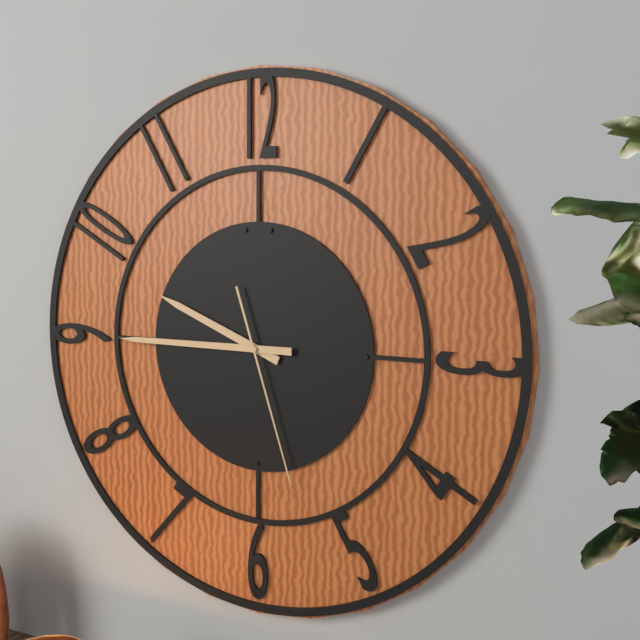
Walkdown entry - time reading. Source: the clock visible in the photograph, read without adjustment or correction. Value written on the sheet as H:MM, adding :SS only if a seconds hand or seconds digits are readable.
9:45:27
